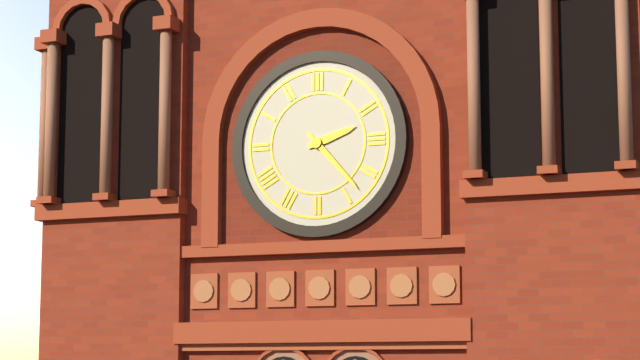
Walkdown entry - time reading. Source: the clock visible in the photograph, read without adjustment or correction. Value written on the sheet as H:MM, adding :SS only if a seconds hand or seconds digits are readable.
2:23
